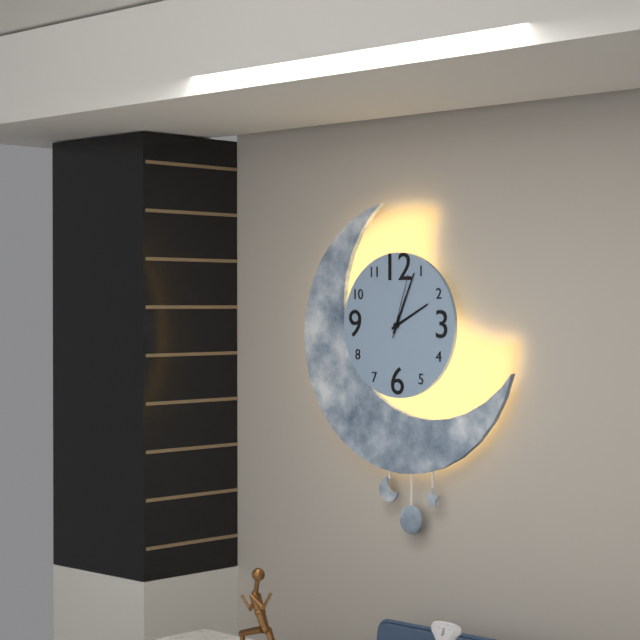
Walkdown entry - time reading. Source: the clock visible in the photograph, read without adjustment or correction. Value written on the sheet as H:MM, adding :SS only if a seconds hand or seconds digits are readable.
2:04:03
